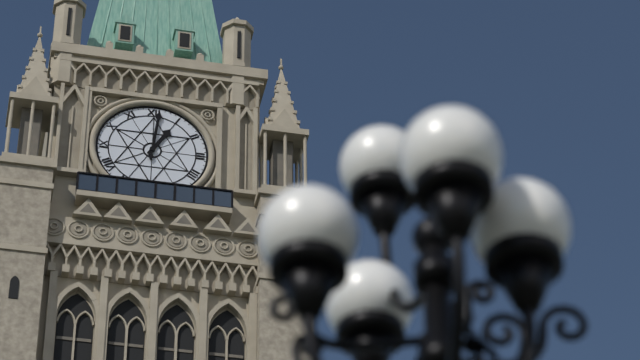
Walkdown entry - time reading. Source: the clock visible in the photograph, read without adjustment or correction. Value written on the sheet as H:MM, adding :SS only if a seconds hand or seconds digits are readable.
1:01
